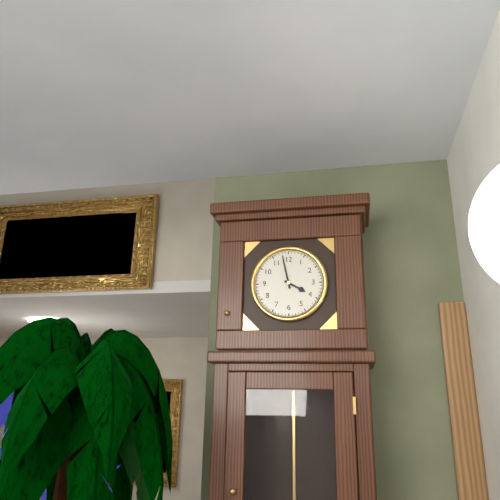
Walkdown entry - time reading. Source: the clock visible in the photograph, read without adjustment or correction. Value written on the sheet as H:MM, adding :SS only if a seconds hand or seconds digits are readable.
3:58
